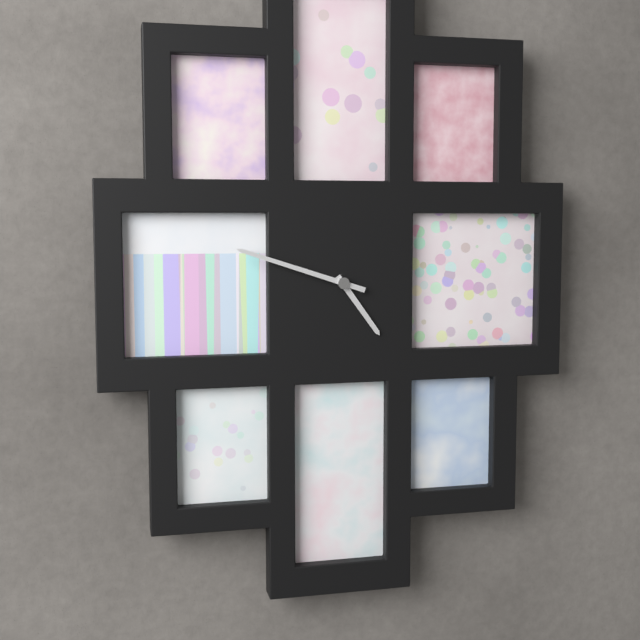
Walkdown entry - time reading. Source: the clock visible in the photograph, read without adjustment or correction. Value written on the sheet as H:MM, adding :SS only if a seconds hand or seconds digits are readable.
4:48
